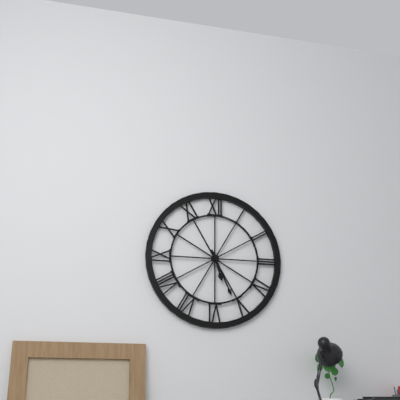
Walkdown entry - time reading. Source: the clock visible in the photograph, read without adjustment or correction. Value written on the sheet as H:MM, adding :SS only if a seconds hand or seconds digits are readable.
5:26
